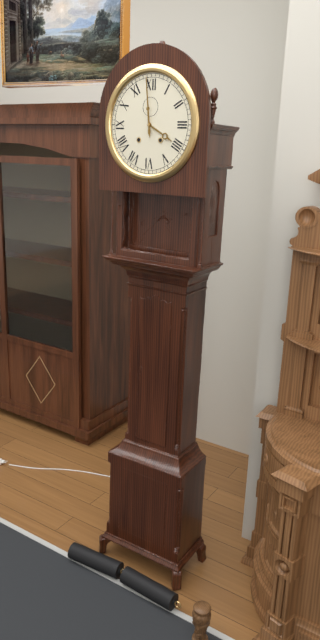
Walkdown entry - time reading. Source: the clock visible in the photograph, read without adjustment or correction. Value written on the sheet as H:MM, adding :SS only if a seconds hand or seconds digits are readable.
3:59
